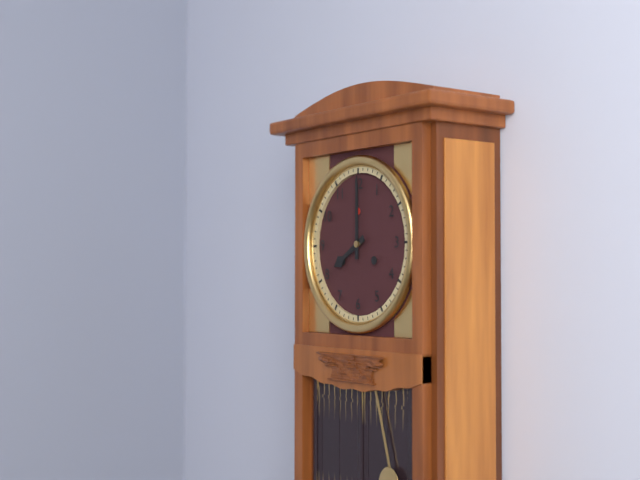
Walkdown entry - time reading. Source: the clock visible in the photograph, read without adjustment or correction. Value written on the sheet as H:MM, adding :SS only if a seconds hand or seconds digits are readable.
8:00
